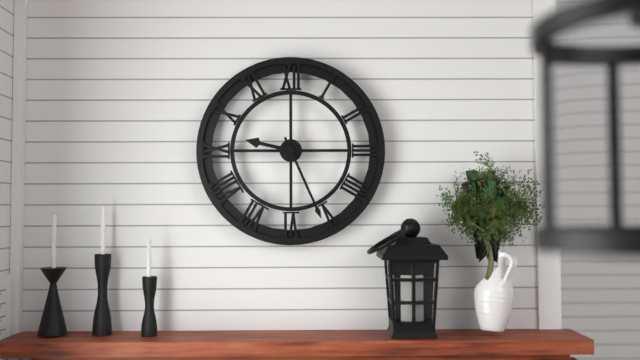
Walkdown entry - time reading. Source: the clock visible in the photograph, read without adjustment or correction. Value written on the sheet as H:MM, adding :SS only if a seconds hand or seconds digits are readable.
9:26
